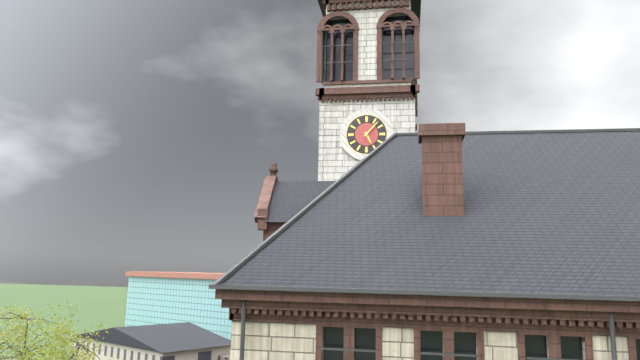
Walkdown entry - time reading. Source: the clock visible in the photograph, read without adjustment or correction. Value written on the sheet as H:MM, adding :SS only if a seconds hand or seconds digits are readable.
5:07
